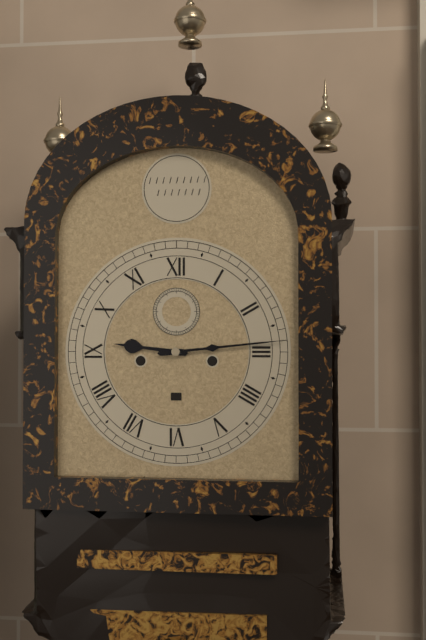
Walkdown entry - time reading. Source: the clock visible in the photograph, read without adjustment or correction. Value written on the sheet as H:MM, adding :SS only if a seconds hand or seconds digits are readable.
9:14
